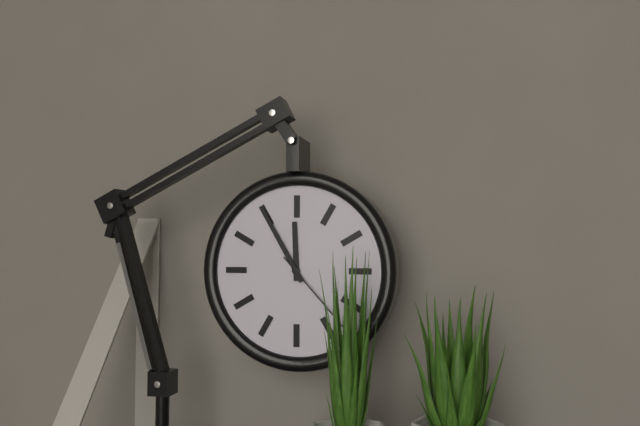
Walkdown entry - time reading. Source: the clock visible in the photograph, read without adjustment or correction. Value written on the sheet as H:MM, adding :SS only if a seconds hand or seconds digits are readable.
11:55:23
